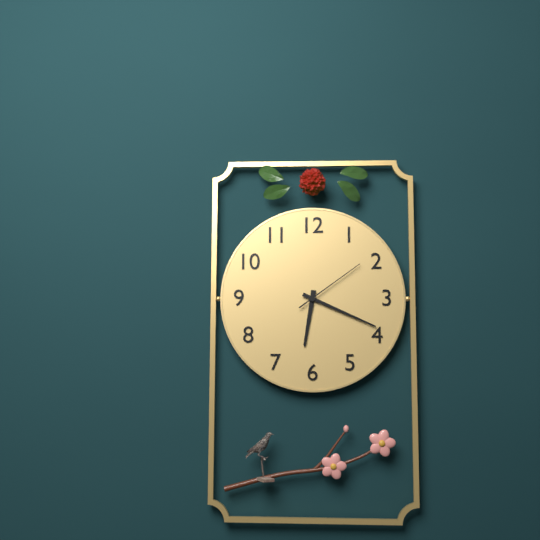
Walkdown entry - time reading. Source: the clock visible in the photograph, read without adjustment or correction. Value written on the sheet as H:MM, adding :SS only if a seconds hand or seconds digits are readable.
6:19:09
